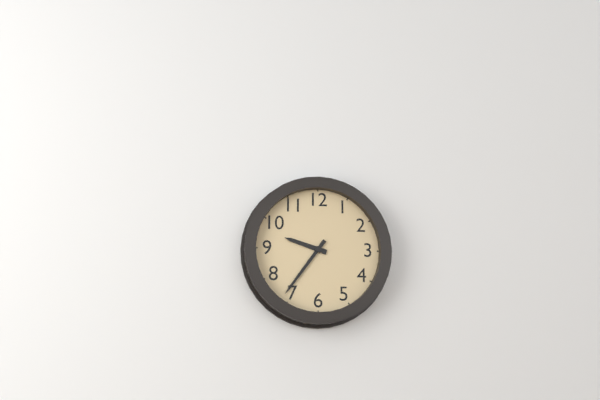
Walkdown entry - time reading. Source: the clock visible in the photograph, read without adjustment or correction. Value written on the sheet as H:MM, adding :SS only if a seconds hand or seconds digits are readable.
9:36
